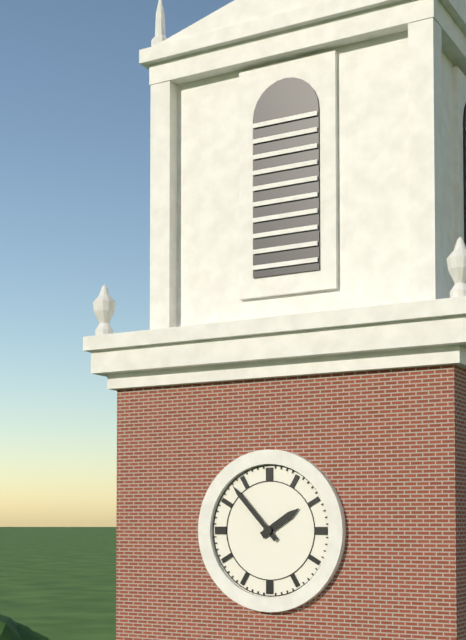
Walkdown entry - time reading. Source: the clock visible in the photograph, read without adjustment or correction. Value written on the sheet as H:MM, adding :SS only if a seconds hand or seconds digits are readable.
1:53
